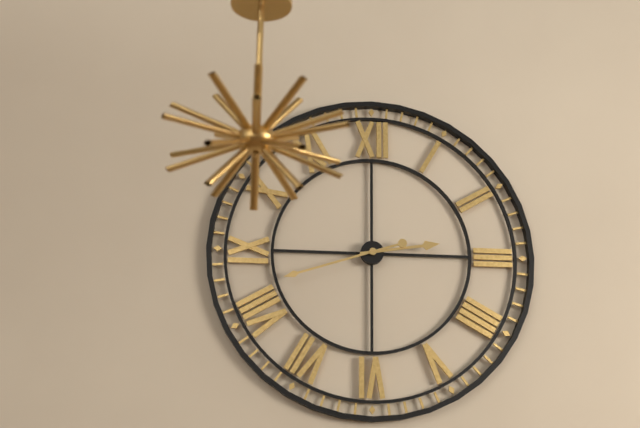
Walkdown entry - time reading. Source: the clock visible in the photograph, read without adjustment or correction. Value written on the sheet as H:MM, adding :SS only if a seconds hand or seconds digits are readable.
2:42
